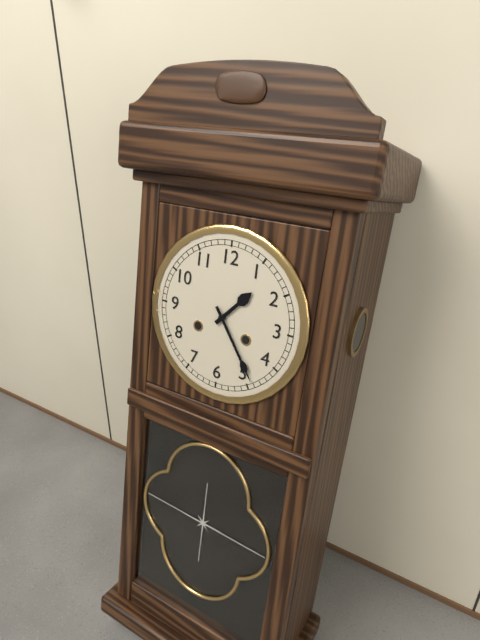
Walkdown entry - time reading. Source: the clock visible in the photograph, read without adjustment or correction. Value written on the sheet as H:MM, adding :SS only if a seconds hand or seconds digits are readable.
1:24
